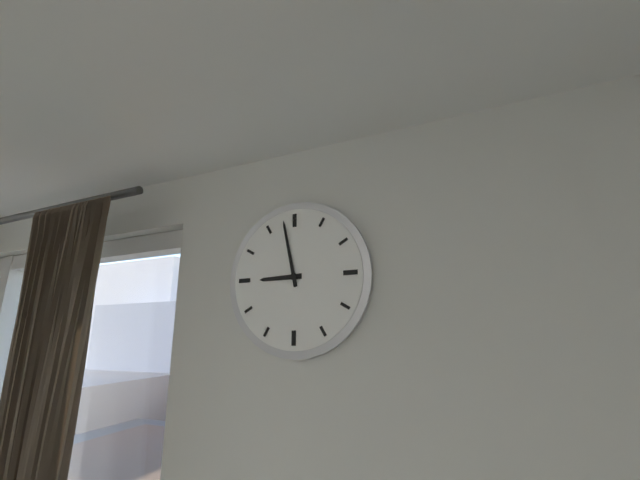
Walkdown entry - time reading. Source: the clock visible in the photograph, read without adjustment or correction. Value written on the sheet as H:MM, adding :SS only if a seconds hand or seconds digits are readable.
8:58
